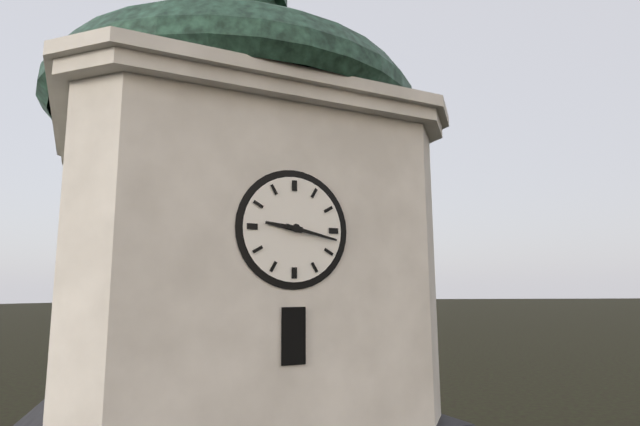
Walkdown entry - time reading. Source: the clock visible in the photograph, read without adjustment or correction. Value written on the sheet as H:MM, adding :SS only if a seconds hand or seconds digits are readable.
9:17
